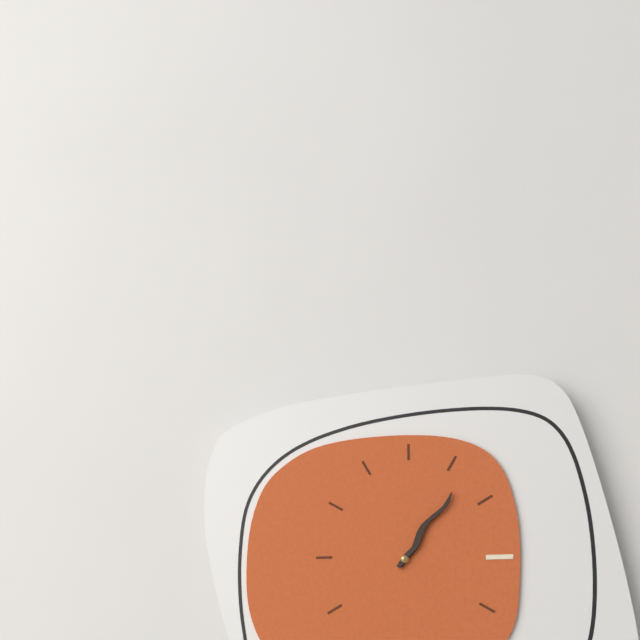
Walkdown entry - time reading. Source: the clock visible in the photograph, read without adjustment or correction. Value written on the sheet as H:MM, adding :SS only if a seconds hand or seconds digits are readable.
1:06
